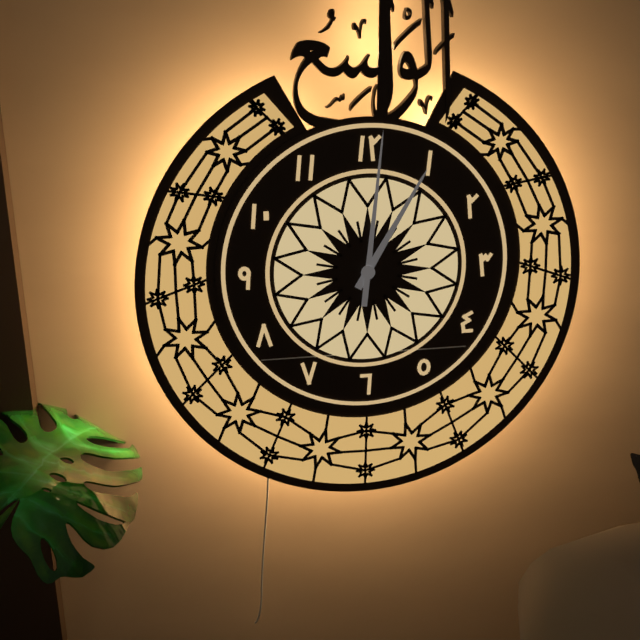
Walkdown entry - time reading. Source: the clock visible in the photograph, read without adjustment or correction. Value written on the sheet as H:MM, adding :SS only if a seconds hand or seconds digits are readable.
1:01
